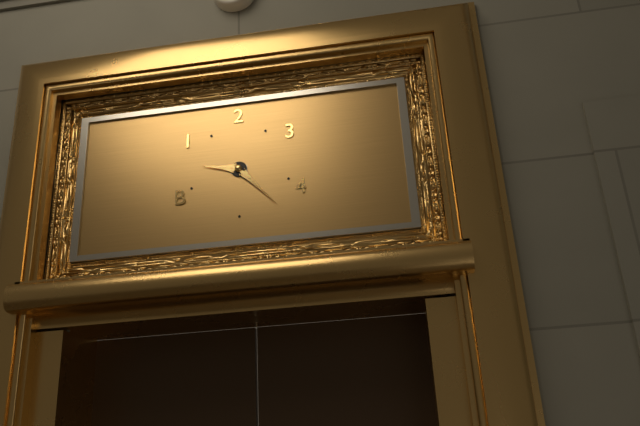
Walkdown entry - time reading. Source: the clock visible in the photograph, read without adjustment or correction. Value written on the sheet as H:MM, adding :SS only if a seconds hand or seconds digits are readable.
9:23
